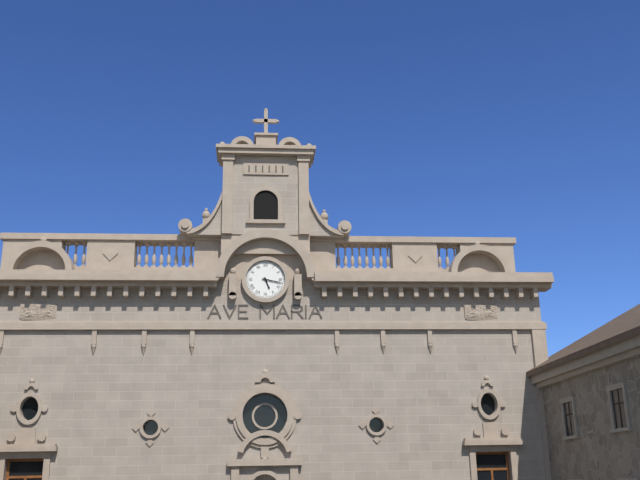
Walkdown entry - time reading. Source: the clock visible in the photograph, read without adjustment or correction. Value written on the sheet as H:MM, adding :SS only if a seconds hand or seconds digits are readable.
5:17
